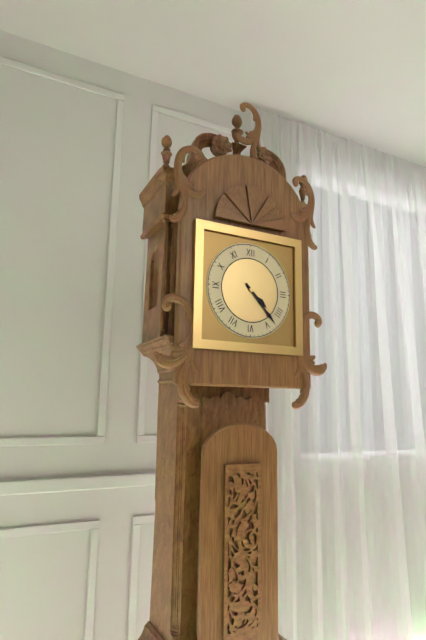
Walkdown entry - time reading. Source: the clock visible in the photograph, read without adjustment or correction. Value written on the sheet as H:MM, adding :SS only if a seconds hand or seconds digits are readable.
4:23
